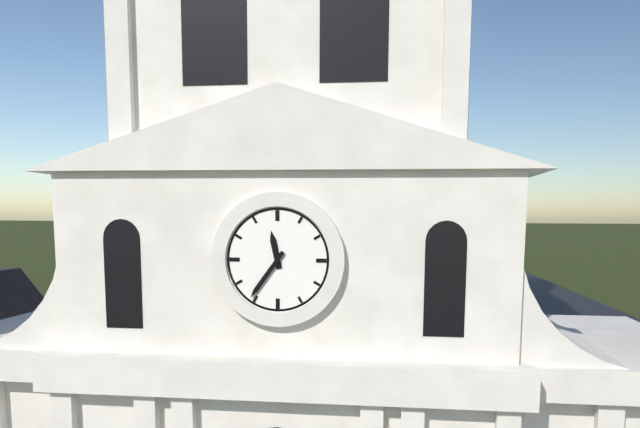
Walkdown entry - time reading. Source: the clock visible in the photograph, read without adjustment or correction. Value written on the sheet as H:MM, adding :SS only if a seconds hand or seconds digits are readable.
11:36
